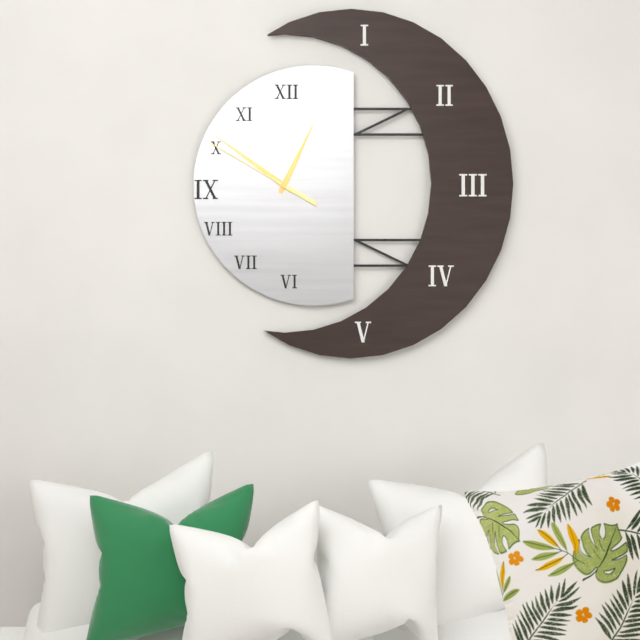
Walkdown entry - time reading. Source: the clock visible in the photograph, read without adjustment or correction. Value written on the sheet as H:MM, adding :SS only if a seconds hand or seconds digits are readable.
12:51:50
